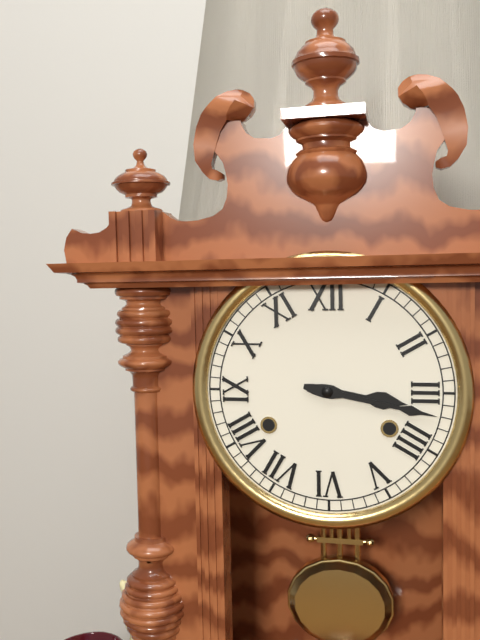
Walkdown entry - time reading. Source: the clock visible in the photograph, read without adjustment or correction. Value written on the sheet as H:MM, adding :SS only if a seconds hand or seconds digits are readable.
3:17
